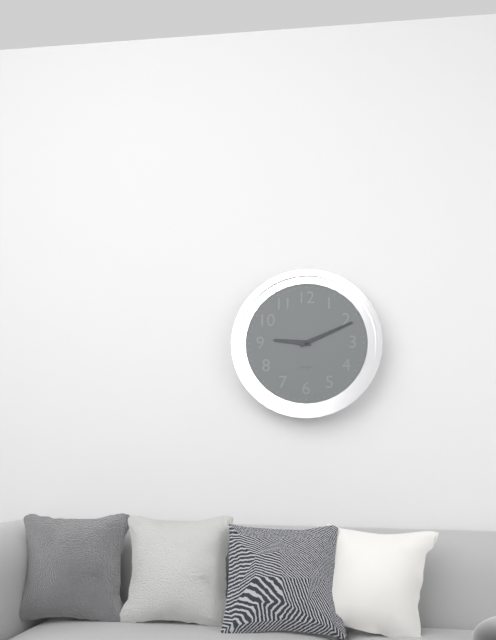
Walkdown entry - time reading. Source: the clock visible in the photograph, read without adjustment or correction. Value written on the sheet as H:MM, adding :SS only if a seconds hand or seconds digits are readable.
9:11
